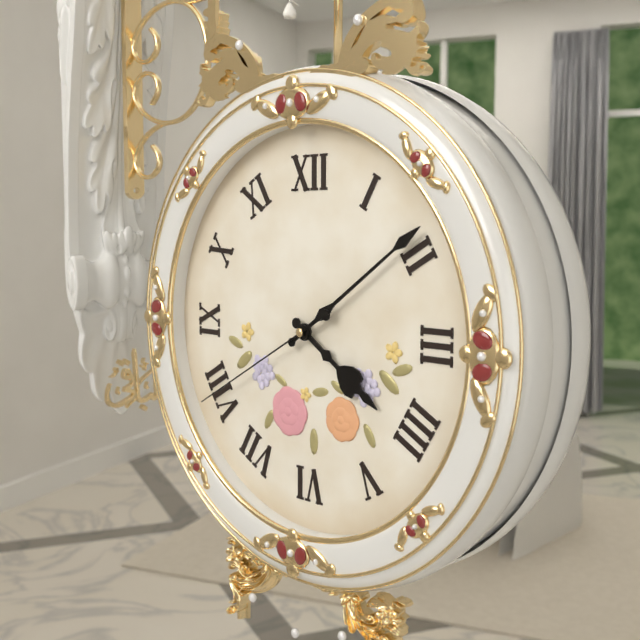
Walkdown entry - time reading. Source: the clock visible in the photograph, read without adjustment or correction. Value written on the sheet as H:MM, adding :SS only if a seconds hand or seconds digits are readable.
4:09:40
